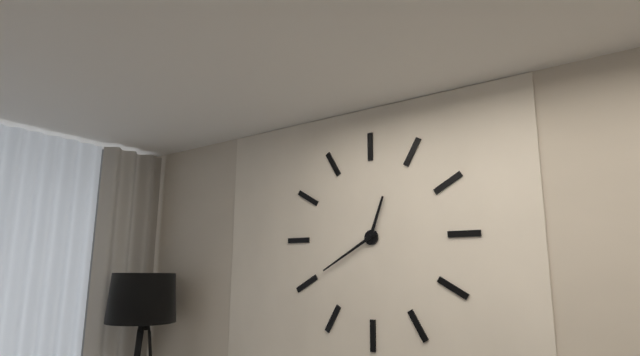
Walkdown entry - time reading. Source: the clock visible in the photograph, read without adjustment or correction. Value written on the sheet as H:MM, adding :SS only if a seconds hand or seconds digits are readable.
12:40
